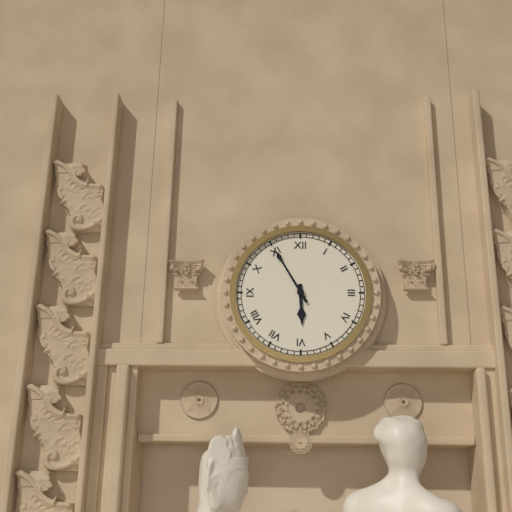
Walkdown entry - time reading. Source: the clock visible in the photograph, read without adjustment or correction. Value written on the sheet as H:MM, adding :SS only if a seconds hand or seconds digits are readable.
5:55
